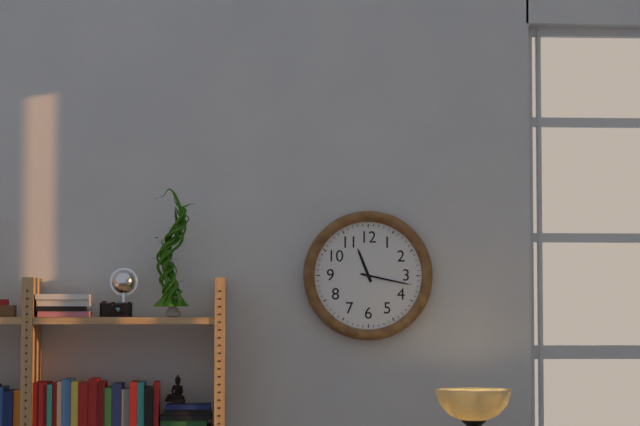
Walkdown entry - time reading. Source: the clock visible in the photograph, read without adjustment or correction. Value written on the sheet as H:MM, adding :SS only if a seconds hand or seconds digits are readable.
11:17
